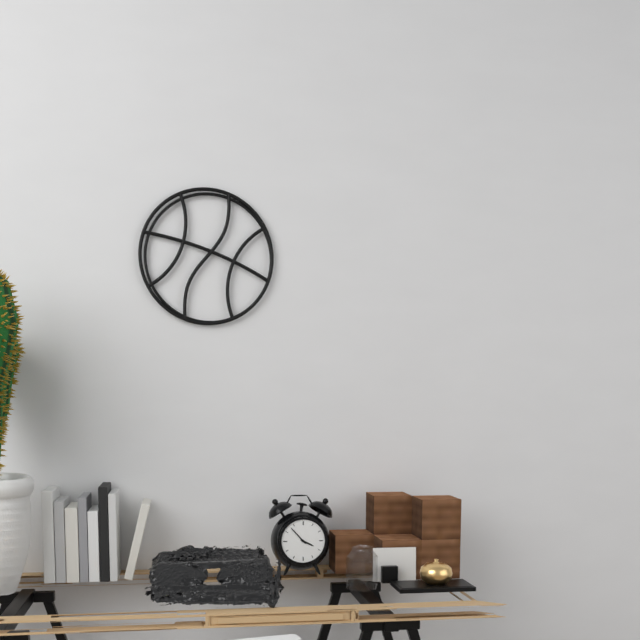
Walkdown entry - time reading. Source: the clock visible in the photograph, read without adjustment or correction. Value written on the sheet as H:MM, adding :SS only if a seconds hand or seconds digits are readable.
3:53
